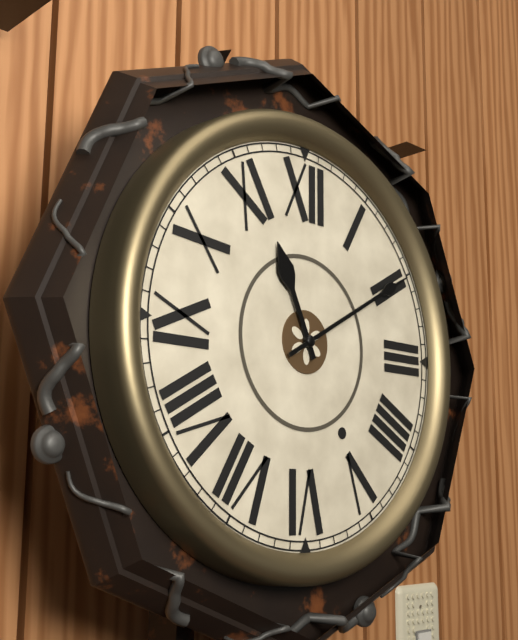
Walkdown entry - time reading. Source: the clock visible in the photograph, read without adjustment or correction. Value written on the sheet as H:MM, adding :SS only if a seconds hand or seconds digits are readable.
11:10
